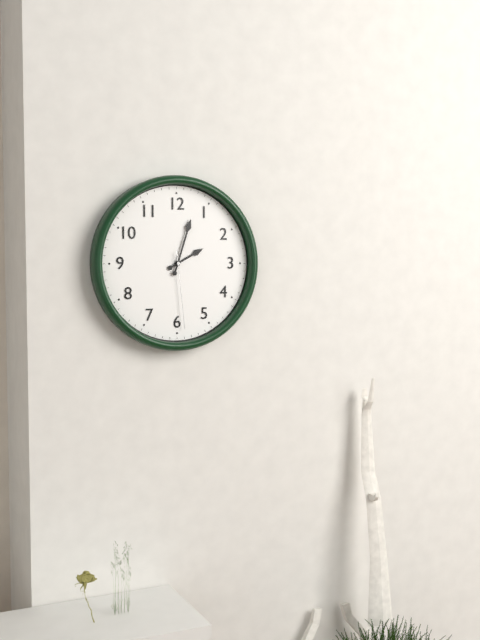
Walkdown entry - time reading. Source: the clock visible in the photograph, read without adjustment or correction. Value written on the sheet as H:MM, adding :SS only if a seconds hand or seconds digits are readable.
2:03:29
